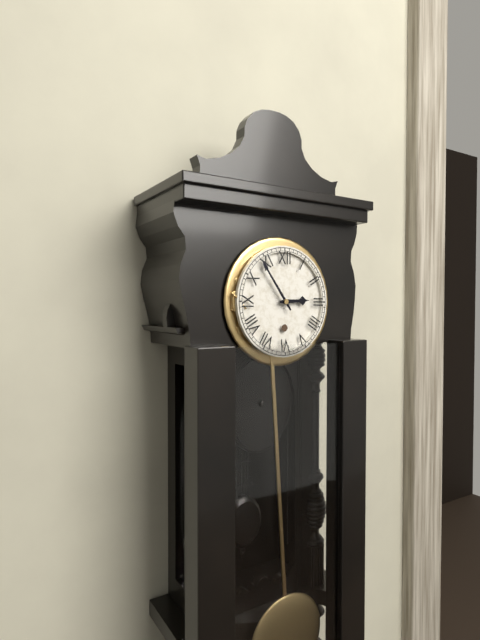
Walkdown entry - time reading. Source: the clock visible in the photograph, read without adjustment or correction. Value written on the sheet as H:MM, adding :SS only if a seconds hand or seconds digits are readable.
2:54
